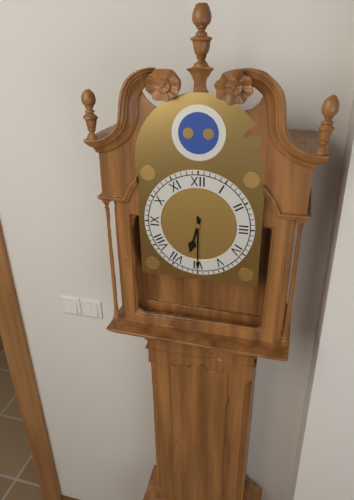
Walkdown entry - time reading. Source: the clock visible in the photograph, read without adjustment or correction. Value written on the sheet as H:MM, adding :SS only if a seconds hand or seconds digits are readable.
6:30
